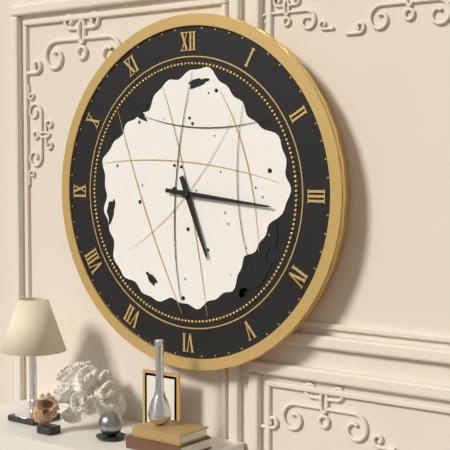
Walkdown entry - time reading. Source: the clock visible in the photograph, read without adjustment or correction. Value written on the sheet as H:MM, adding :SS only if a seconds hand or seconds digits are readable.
5:16
